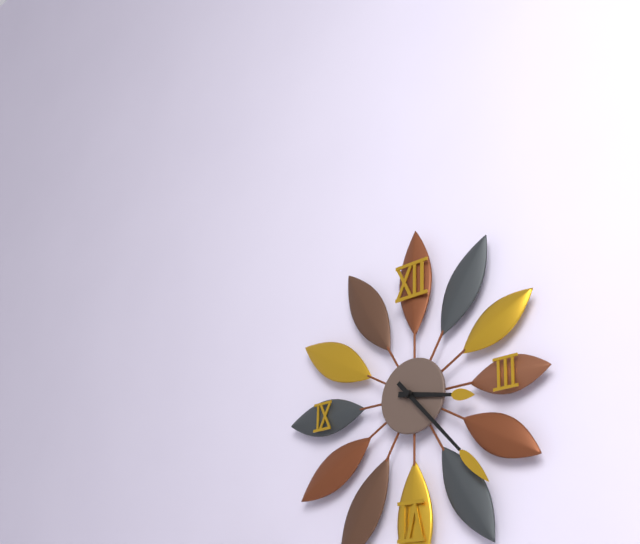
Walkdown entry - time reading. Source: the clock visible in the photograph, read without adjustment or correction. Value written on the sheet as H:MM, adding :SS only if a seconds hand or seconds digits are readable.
3:23
